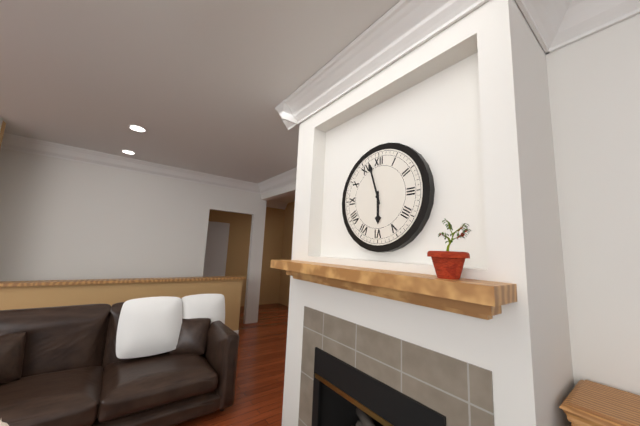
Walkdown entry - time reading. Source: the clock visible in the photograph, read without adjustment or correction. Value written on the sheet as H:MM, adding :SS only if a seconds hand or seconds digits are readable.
5:57
